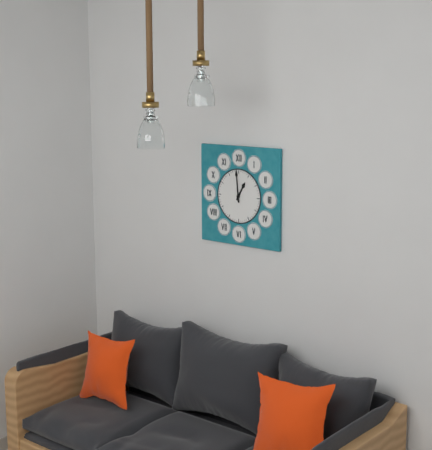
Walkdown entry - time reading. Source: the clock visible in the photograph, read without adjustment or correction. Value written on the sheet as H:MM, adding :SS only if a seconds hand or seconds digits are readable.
12:59
